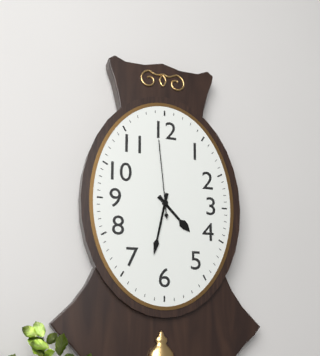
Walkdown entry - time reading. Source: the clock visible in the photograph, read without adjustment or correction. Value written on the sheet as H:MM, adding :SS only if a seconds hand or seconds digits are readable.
4:32:59
